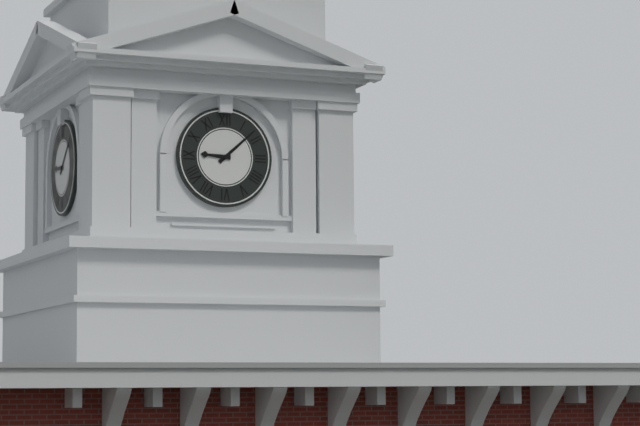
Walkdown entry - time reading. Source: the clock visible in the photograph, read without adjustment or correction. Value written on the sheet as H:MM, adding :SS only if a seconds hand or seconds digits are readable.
9:08
